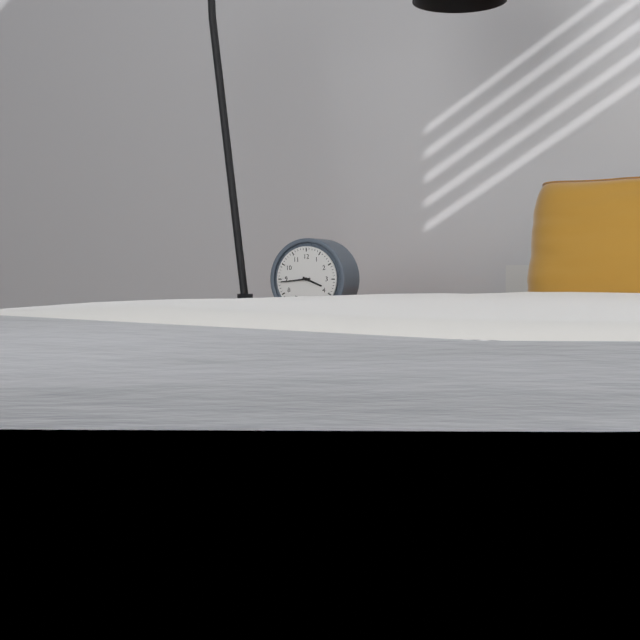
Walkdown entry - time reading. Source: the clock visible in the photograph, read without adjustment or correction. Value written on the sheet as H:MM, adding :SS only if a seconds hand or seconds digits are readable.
3:44
